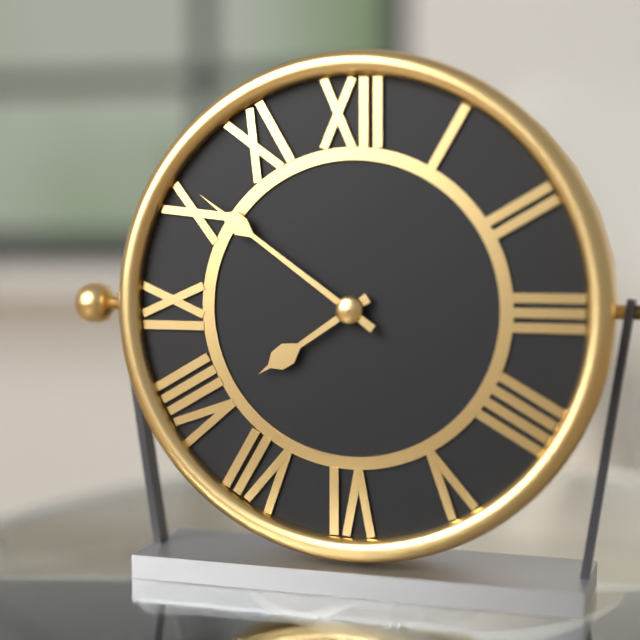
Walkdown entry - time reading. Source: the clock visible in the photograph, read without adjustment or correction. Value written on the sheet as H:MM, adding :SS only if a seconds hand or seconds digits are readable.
7:51
